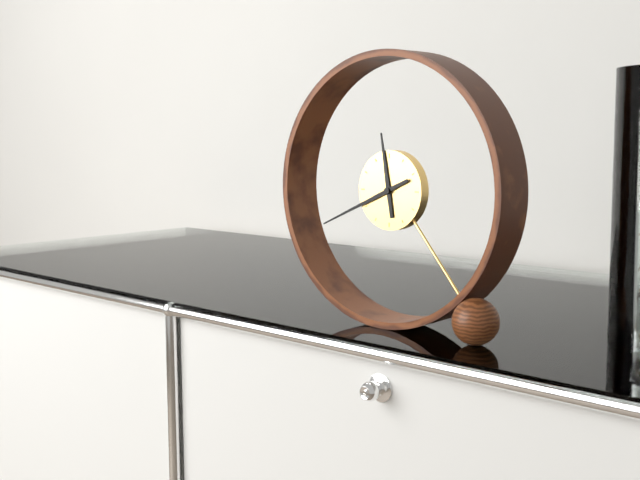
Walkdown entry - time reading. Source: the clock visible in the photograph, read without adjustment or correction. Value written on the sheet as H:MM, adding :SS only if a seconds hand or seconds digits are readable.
11:41
